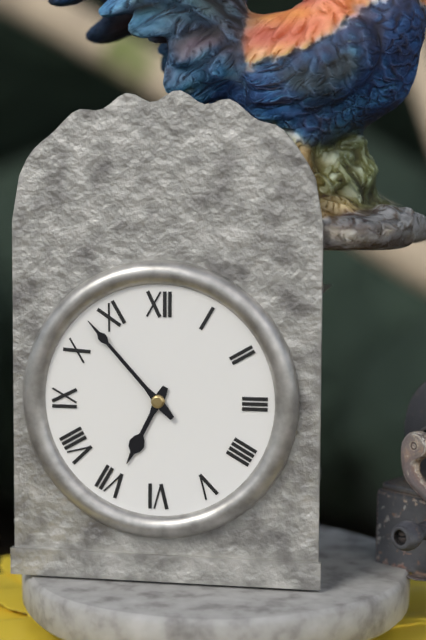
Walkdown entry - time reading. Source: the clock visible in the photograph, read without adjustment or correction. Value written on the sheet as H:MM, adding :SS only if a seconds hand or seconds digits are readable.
6:53
